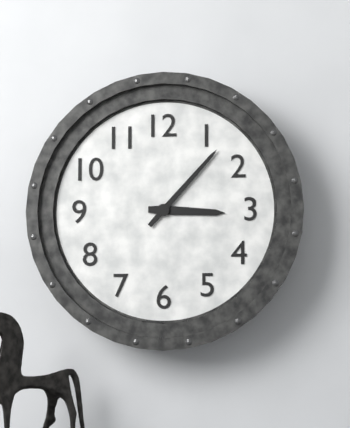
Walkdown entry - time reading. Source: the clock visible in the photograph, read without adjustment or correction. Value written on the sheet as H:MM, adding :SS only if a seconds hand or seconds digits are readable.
3:07
